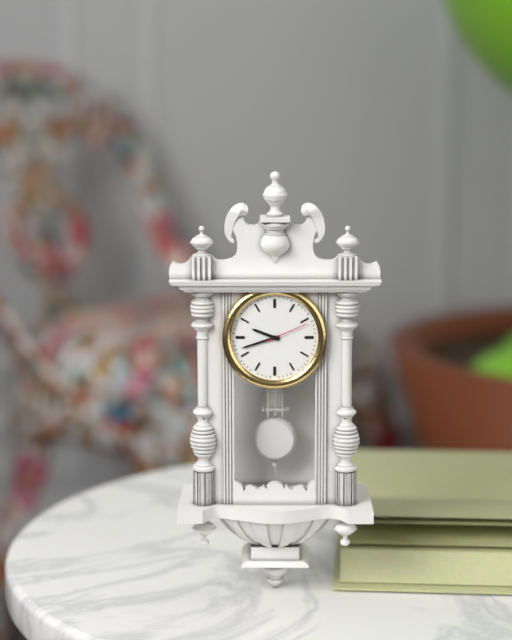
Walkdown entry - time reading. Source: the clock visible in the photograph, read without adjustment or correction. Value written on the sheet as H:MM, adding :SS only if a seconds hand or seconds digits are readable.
9:42
